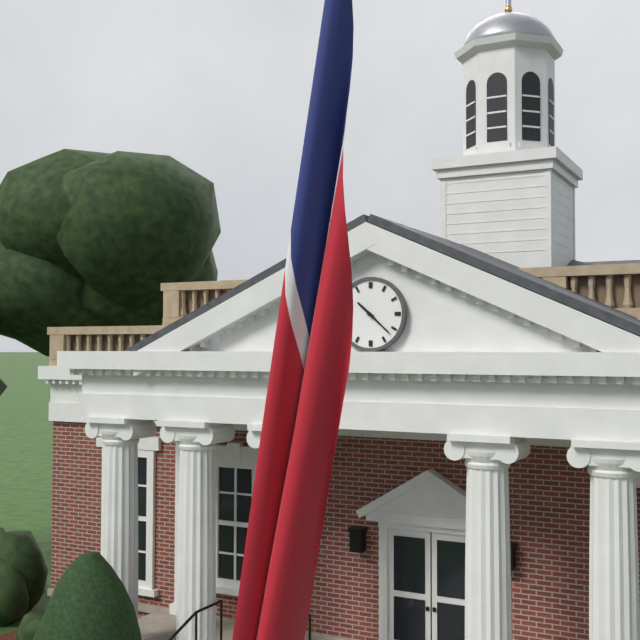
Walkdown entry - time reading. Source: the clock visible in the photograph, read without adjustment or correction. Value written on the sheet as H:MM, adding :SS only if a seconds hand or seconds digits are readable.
10:22
